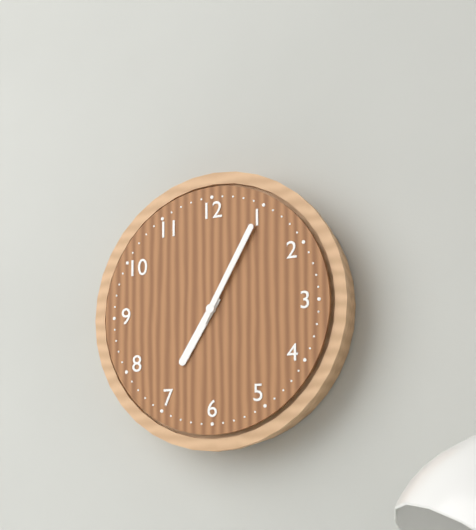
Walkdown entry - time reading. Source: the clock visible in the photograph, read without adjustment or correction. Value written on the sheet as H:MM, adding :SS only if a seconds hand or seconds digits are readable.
7:05
